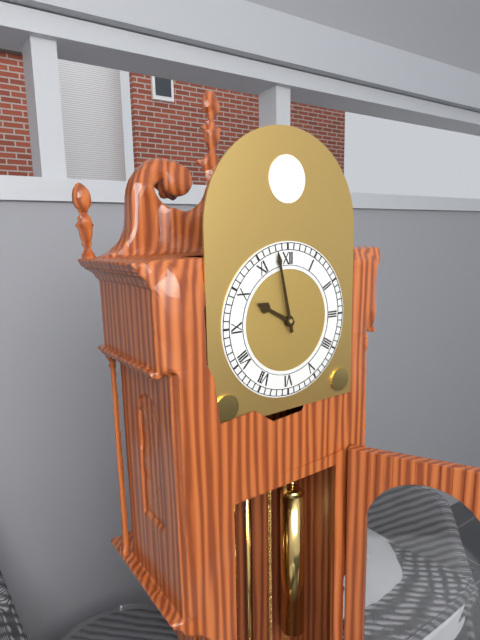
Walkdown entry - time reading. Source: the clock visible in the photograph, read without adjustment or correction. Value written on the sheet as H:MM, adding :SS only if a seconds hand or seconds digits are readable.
9:58
